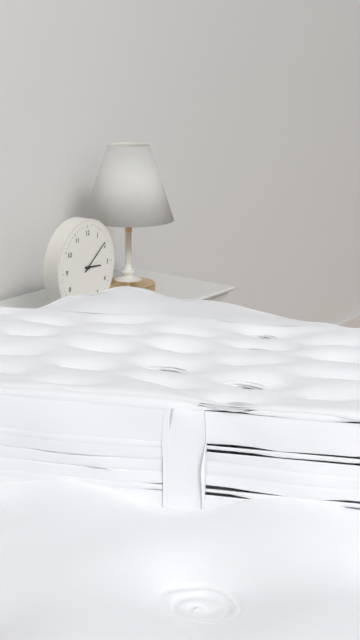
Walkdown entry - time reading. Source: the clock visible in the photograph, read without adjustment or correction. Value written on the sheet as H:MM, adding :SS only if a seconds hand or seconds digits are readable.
3:09
